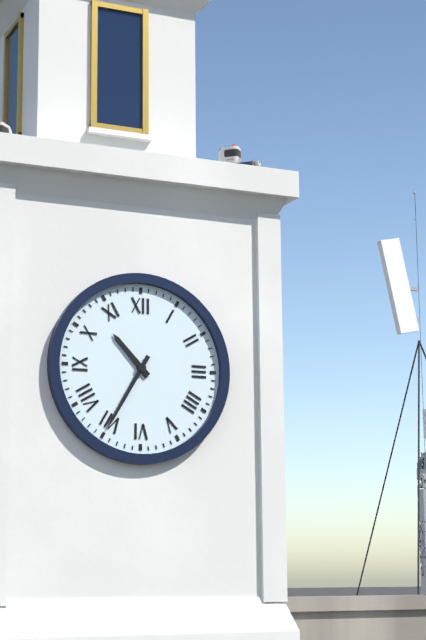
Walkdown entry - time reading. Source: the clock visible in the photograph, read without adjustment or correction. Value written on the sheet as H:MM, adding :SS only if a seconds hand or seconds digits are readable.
10:35
